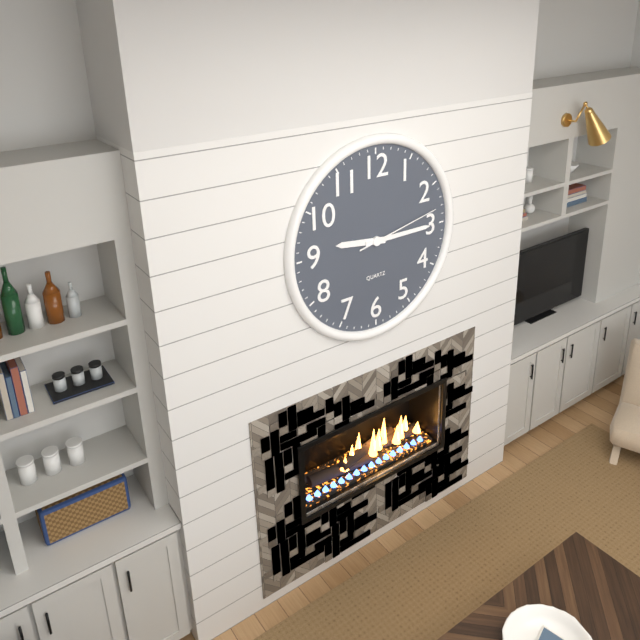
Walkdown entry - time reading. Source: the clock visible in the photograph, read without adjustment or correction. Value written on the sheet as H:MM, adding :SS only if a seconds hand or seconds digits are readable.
9:15:13
